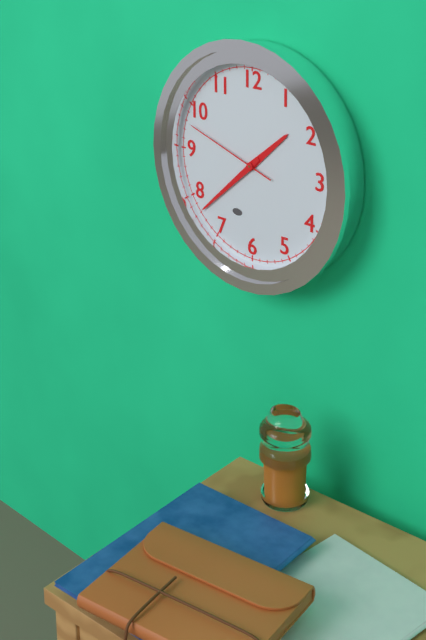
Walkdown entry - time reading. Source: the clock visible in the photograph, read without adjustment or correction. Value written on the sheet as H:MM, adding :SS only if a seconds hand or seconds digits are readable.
1:38:48
